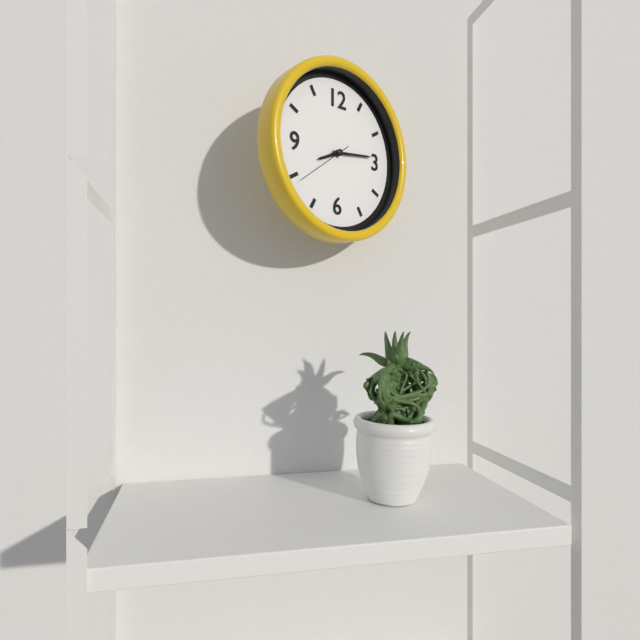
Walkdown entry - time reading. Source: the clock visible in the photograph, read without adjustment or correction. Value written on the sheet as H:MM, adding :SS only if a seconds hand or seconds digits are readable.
8:14
